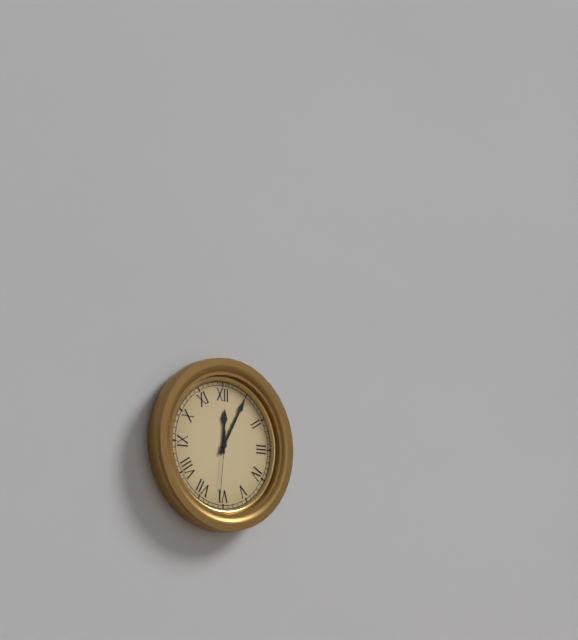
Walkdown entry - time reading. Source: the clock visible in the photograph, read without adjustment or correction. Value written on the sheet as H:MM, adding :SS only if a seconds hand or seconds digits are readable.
12:05:31
